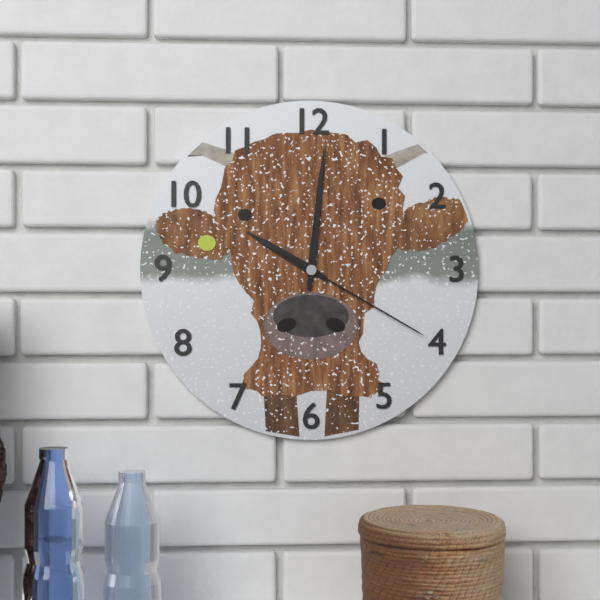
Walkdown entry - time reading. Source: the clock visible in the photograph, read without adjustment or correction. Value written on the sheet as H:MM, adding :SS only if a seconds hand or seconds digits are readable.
10:01:20
